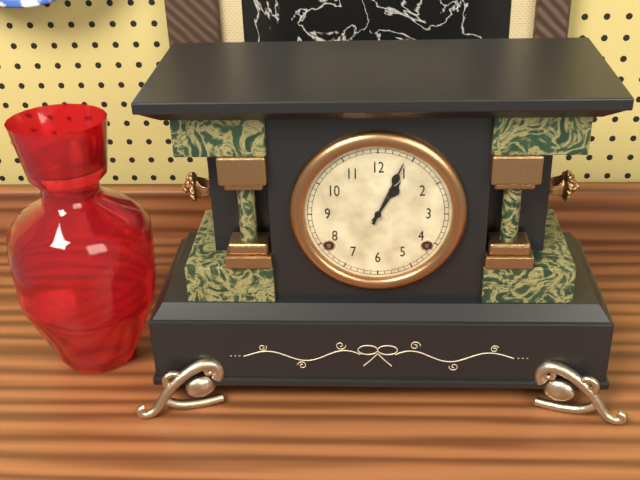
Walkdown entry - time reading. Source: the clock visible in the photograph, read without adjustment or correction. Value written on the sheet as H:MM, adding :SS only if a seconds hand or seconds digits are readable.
1:04
